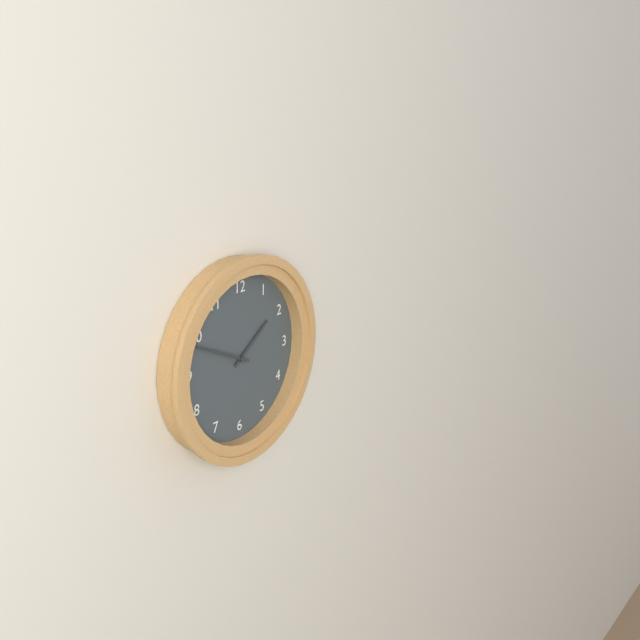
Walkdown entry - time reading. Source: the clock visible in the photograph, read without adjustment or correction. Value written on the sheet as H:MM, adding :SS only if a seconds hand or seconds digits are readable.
1:49
